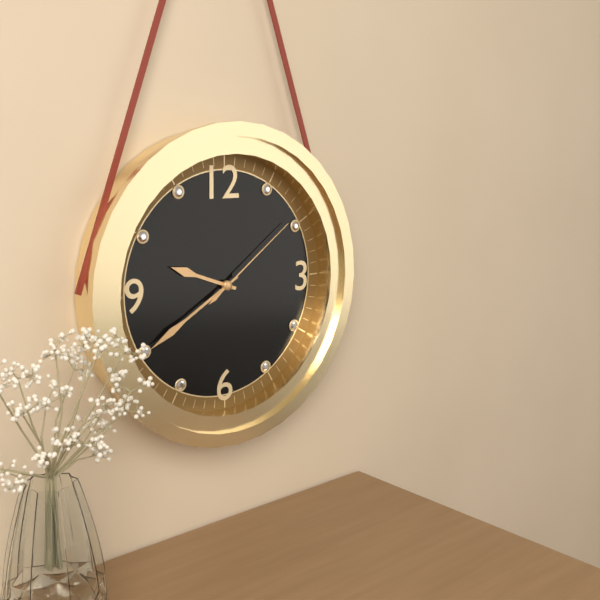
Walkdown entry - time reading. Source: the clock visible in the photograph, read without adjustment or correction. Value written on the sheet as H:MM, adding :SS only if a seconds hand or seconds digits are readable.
9:40:09
